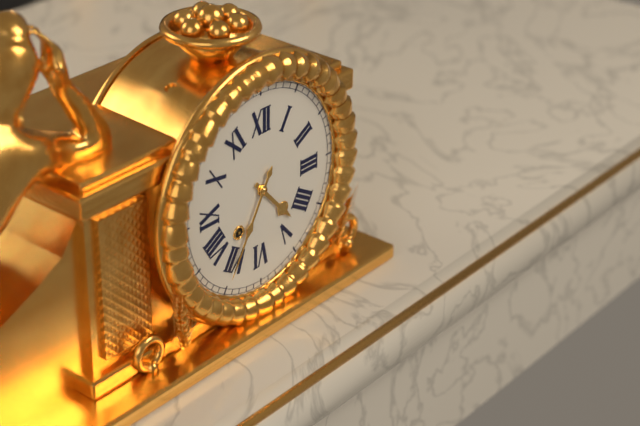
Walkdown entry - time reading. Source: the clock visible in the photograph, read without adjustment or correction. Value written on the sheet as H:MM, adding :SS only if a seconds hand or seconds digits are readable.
4:35
